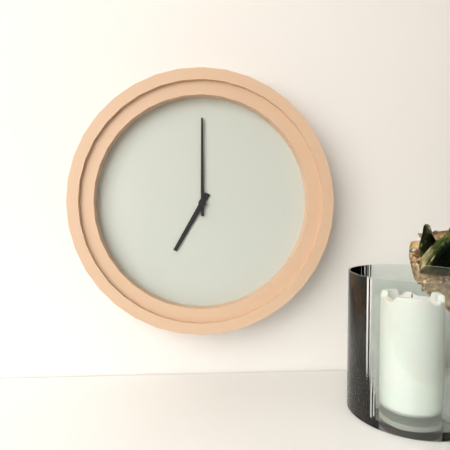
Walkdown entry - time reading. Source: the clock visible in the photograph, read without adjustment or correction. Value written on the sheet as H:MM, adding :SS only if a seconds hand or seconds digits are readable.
7:00
